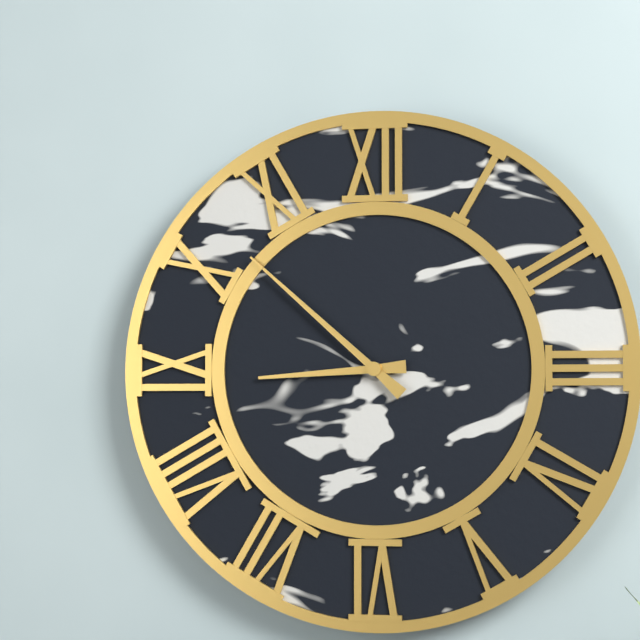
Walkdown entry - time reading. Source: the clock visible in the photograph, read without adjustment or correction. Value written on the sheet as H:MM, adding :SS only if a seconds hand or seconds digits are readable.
8:52
